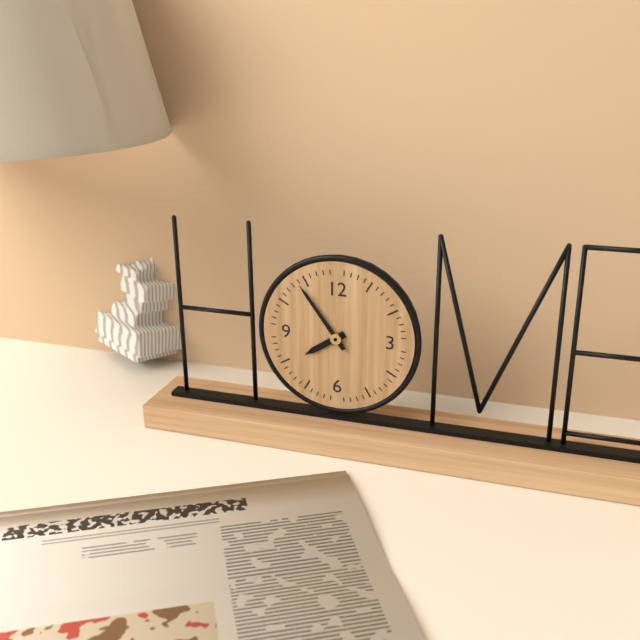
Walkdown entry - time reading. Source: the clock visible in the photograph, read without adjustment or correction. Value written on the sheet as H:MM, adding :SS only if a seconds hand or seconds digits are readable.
7:54
